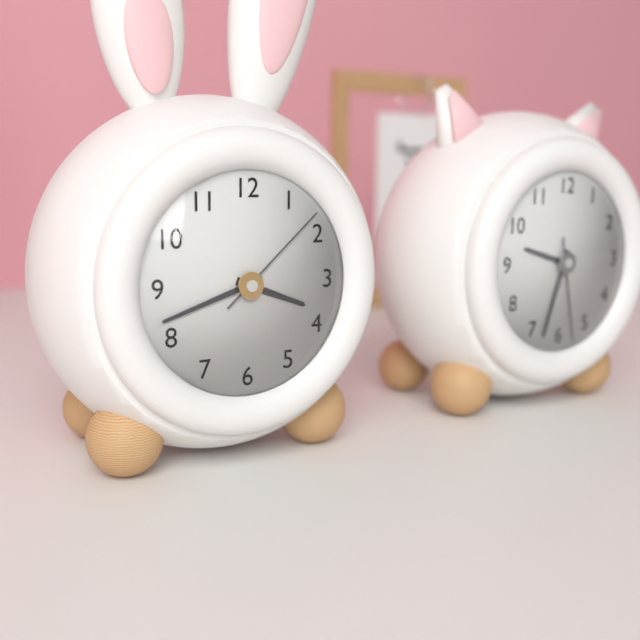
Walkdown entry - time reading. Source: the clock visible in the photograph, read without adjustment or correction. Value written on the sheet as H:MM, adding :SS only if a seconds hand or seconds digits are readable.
3:42:08
